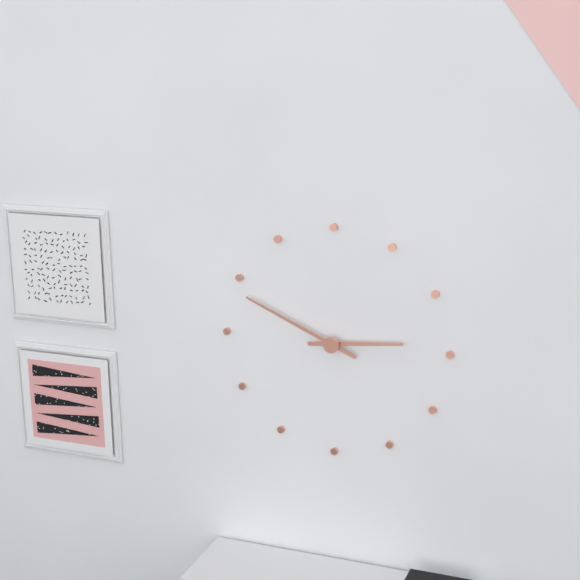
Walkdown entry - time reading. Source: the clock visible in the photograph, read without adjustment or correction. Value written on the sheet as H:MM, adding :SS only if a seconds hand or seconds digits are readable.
2:49
